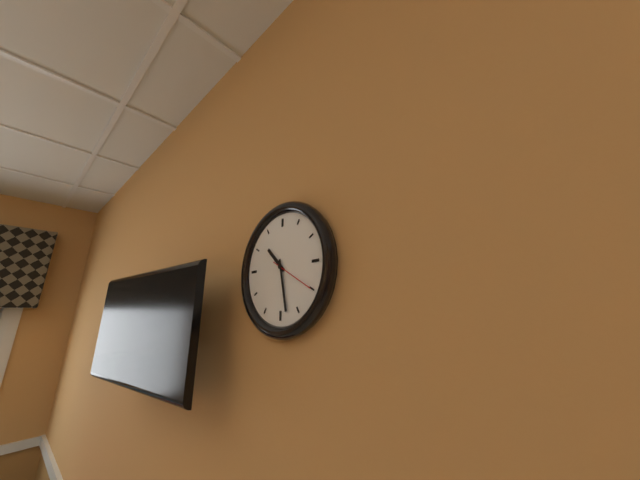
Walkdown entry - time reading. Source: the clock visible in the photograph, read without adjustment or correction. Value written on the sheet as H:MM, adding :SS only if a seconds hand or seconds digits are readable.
10:28
